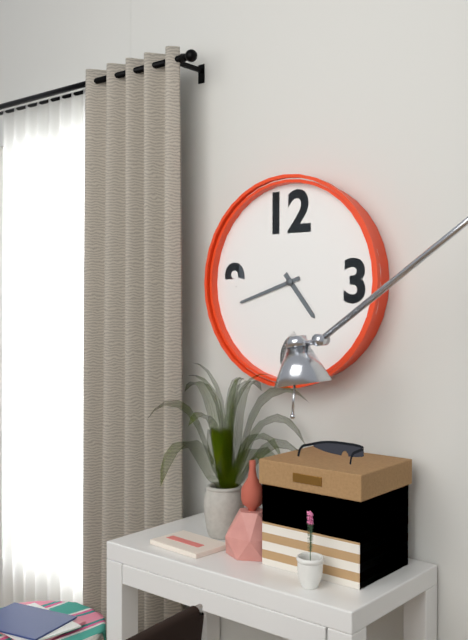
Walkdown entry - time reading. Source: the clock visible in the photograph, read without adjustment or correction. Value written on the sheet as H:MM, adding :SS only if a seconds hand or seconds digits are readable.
4:42
